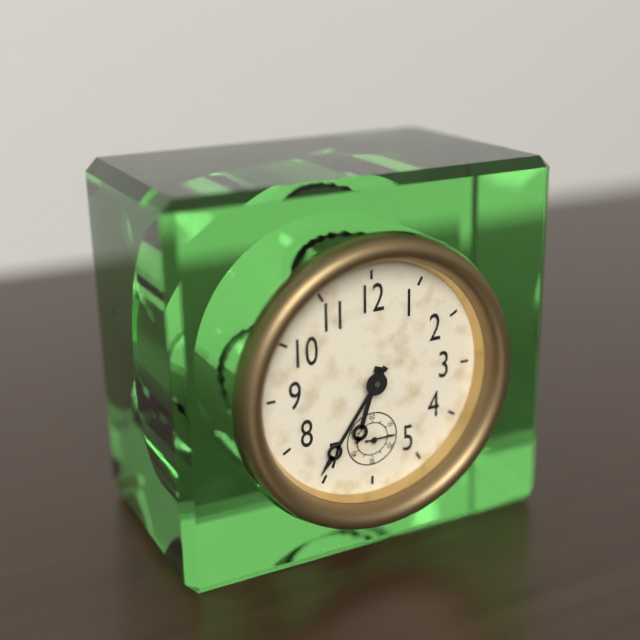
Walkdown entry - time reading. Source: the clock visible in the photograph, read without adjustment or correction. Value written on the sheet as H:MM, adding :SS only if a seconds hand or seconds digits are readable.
6:36
